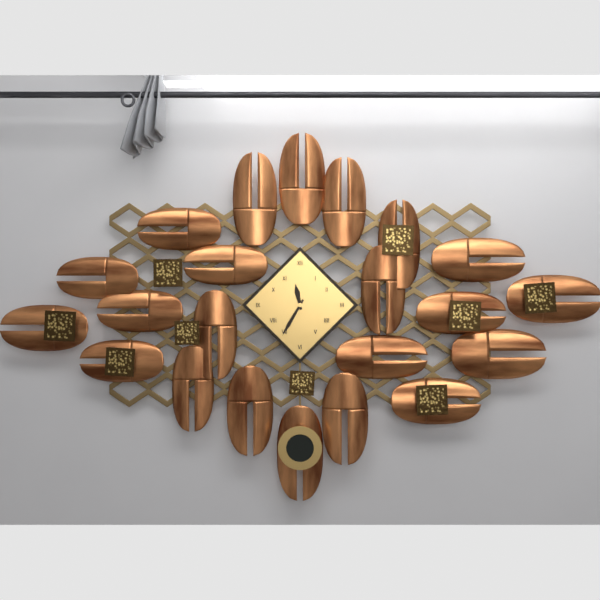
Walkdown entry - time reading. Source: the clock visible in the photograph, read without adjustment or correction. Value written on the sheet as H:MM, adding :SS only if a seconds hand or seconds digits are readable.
11:35
